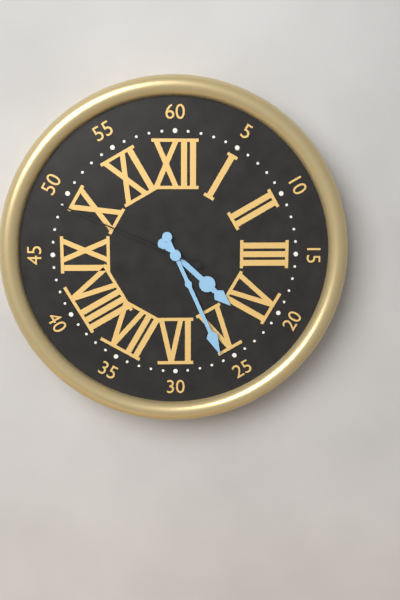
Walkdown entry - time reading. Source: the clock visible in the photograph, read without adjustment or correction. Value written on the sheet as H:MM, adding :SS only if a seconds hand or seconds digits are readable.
4:26:49
